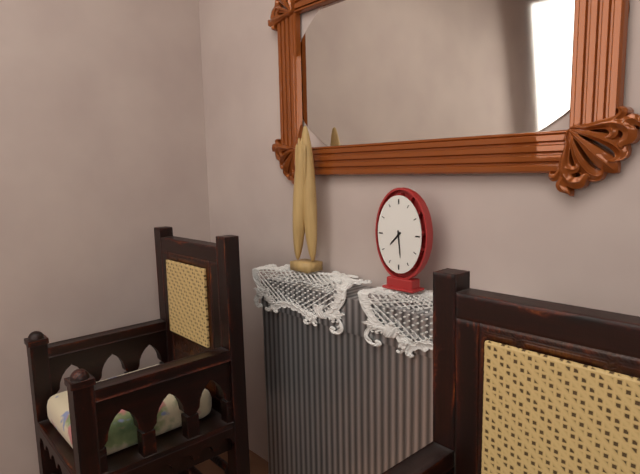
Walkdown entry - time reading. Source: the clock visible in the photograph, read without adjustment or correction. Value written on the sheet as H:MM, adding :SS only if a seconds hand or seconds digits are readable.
7:29
